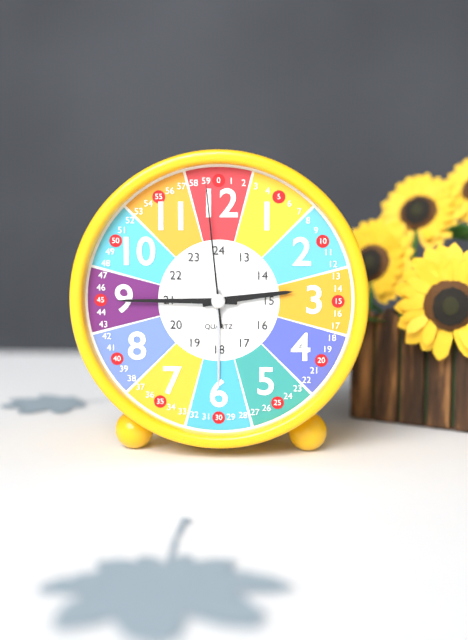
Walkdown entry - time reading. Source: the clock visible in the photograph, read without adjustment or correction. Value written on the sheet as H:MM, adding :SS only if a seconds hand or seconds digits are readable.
2:45:59
